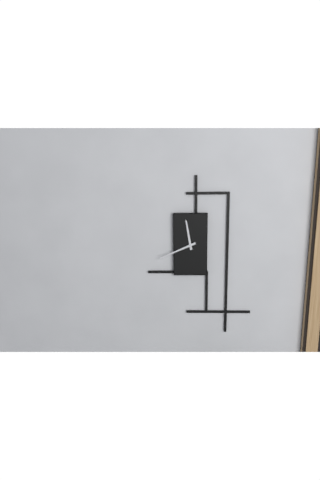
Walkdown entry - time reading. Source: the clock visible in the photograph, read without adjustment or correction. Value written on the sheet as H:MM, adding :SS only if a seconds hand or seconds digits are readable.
11:41
